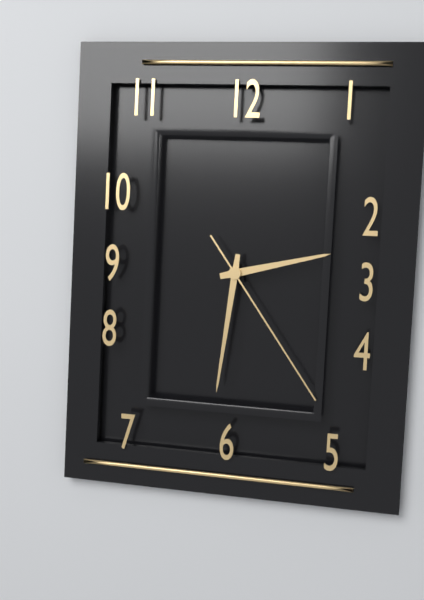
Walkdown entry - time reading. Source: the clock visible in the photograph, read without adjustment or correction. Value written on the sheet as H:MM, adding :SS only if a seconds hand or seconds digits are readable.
2:31:24
